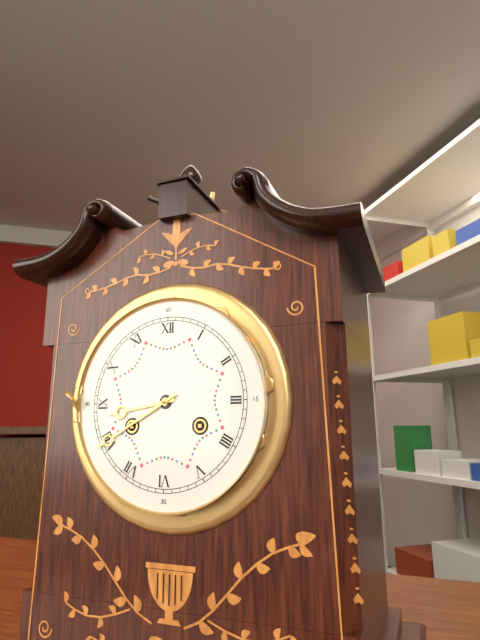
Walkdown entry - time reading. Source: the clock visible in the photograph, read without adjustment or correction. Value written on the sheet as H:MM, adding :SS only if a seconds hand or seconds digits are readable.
8:40
